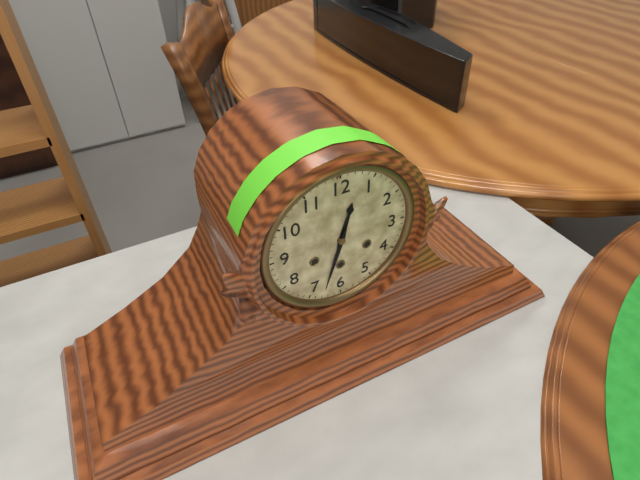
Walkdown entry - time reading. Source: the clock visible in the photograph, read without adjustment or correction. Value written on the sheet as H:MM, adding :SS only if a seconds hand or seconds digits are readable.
12:33
